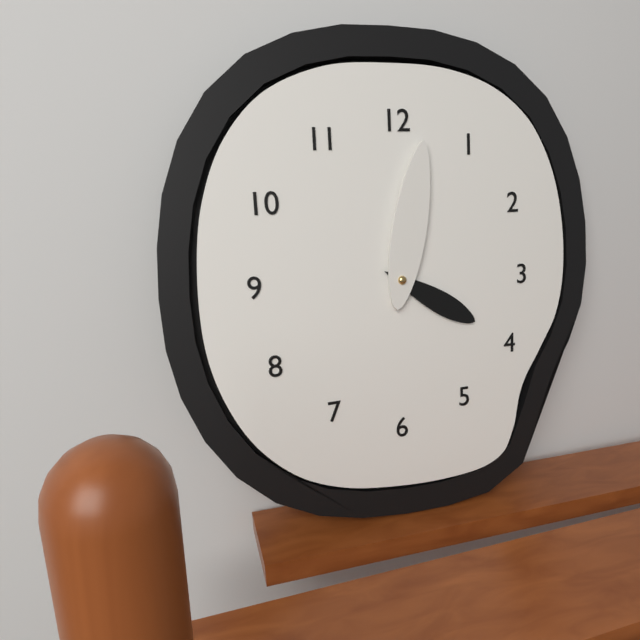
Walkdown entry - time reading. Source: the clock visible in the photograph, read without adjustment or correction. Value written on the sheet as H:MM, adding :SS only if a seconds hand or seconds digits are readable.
4:02
